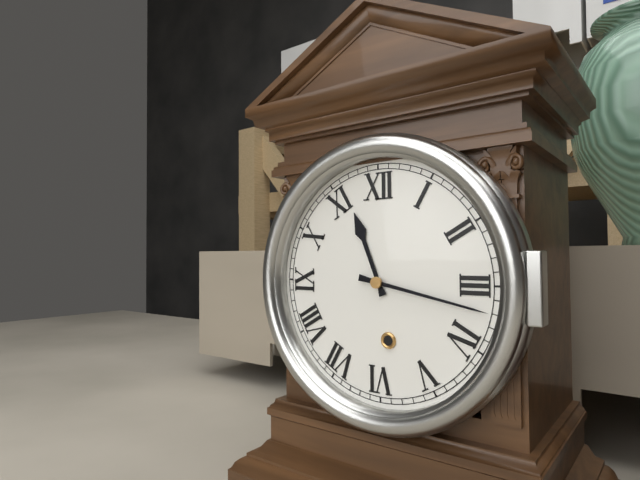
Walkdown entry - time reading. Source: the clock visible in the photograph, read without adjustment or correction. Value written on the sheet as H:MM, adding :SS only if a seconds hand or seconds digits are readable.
11:17
